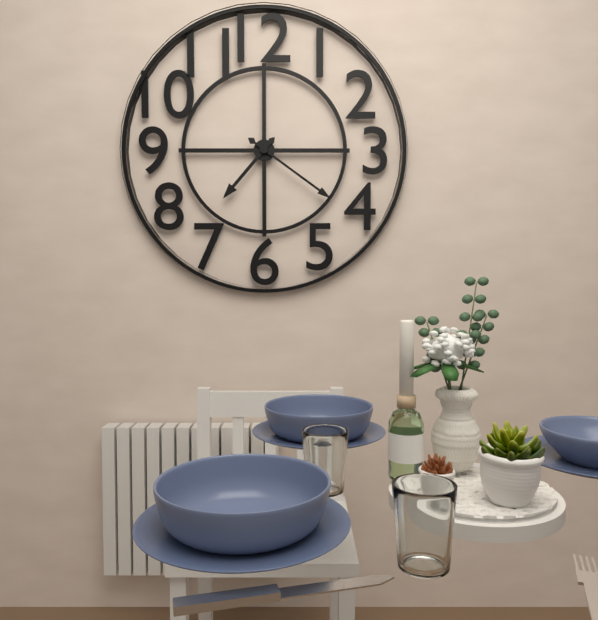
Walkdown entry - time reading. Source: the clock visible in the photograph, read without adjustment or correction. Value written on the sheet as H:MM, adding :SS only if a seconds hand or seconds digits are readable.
7:21
